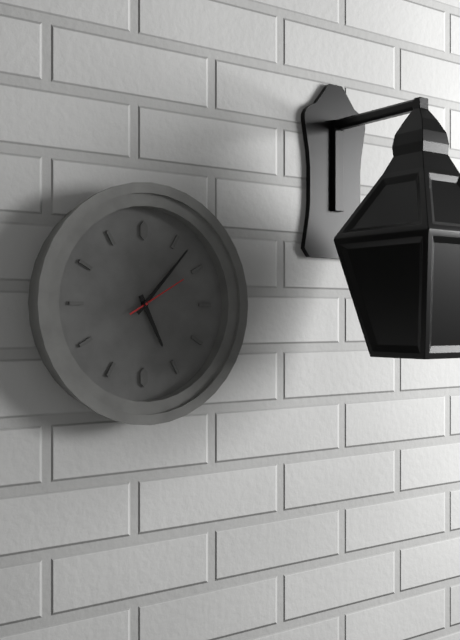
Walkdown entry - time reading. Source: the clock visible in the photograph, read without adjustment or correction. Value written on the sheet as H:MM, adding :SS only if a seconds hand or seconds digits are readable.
5:07:10
